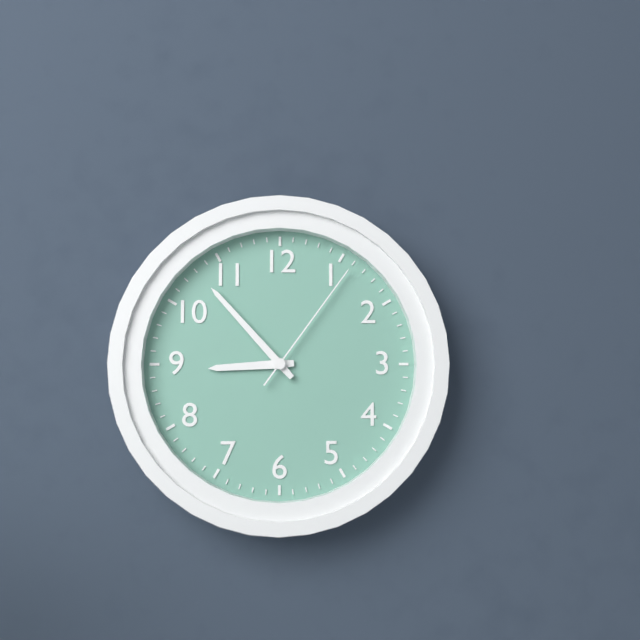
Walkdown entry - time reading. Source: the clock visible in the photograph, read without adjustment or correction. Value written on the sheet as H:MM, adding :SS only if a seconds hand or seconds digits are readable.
8:53:06
